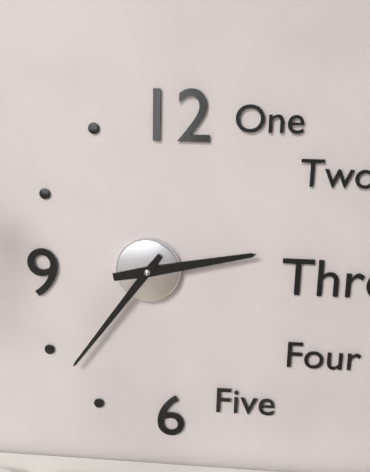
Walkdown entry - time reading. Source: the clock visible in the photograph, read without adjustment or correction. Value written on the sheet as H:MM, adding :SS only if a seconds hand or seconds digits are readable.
2:36
